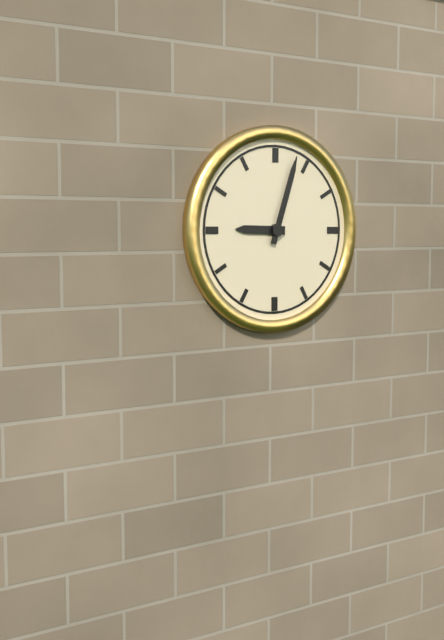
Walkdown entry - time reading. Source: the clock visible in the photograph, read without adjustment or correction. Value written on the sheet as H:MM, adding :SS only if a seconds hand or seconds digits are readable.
9:03
